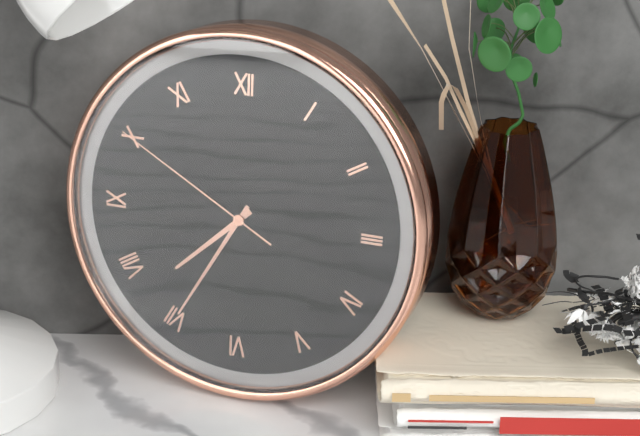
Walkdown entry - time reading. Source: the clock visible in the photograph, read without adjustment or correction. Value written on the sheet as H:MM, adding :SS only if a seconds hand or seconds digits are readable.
7:35:50
